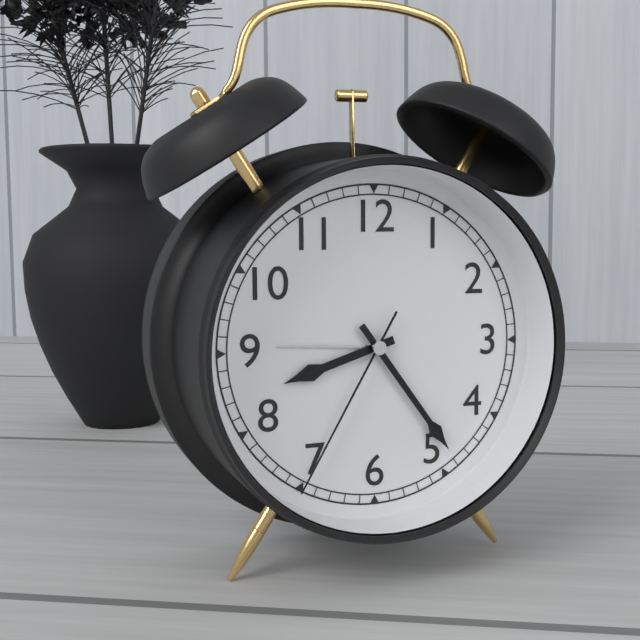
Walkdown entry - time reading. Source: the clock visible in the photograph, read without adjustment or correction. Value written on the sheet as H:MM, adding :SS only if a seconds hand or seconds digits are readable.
8:24:35
